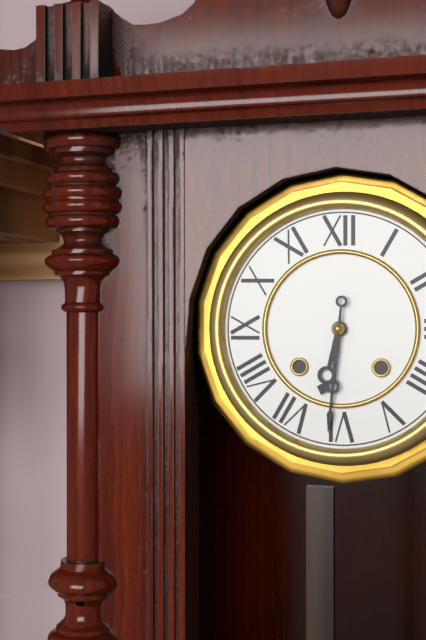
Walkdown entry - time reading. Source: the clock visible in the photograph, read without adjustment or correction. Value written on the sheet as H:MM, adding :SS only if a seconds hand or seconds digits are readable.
6:31
